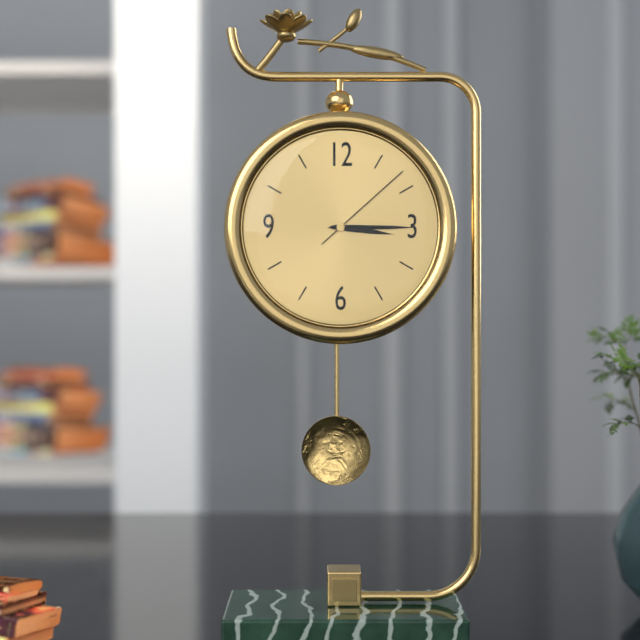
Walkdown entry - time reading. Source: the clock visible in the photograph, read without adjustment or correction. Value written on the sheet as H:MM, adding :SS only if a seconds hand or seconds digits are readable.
3:15:08
